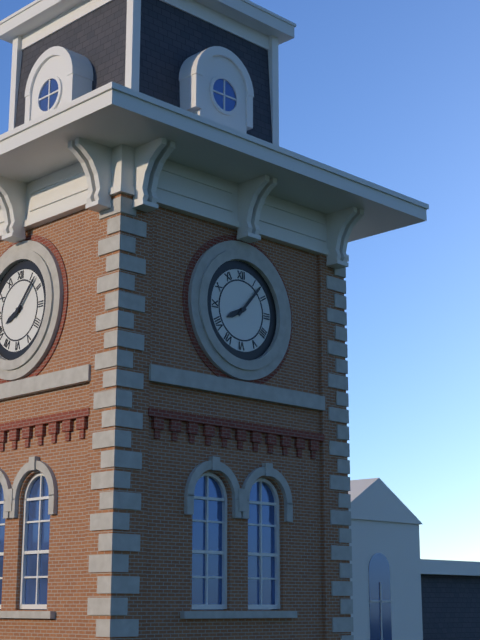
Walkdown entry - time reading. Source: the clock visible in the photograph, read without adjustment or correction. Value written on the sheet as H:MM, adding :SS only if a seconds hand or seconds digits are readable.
8:07
